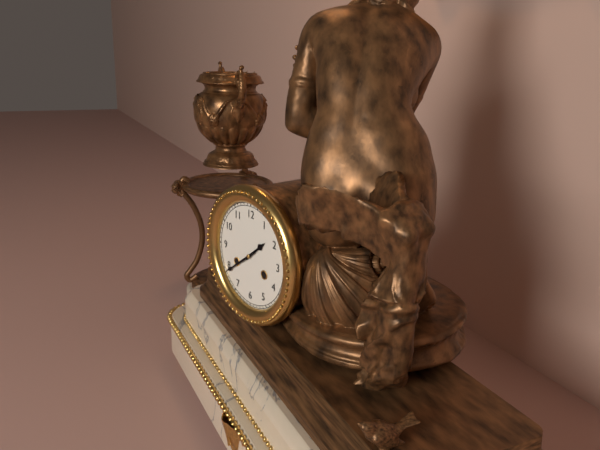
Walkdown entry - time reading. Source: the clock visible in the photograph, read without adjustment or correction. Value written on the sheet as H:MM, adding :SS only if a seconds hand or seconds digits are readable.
1:39
